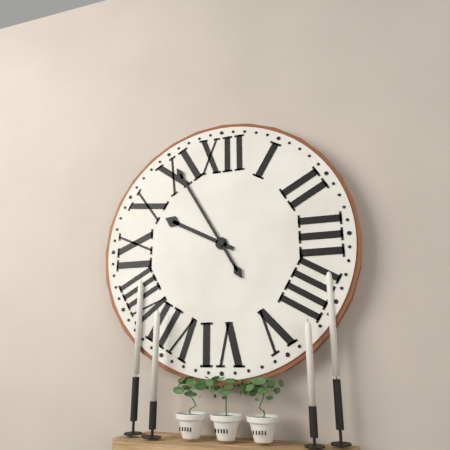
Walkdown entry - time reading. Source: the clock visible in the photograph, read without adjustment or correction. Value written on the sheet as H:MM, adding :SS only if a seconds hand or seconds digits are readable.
9:55
